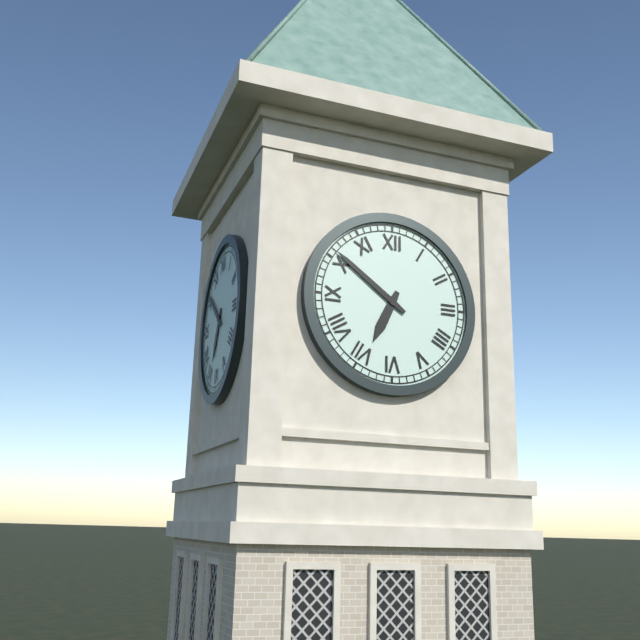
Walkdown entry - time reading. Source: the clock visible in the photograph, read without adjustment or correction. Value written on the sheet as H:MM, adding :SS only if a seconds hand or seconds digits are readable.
6:51
